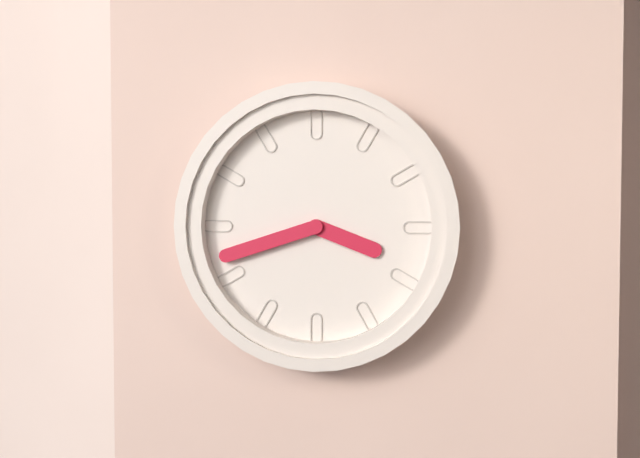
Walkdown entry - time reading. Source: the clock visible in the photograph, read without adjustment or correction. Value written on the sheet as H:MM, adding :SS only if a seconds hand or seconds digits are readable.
3:42
